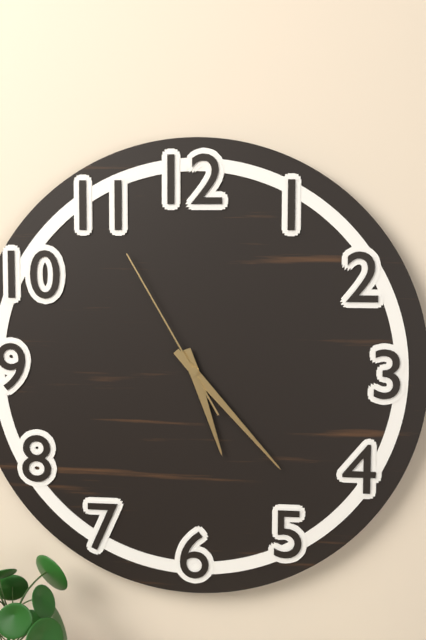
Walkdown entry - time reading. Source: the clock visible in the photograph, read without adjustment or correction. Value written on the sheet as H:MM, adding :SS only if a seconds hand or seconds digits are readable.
5:23:55
